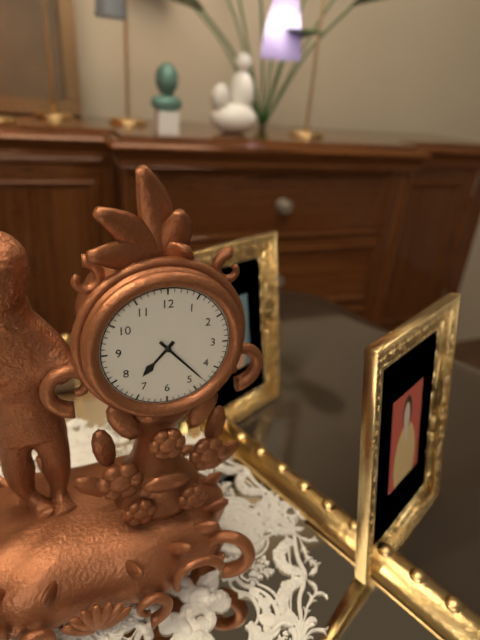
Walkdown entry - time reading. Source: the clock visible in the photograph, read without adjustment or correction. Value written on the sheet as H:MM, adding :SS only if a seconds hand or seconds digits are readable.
7:23
